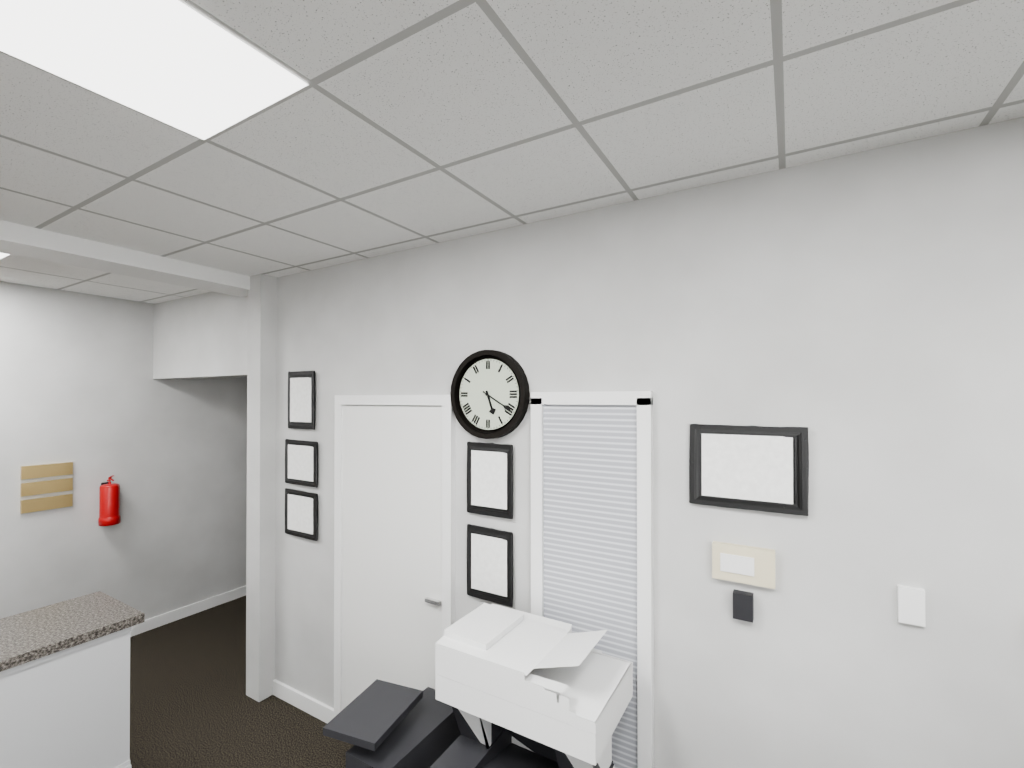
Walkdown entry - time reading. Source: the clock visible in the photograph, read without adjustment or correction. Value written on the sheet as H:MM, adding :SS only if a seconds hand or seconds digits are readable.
5:20
